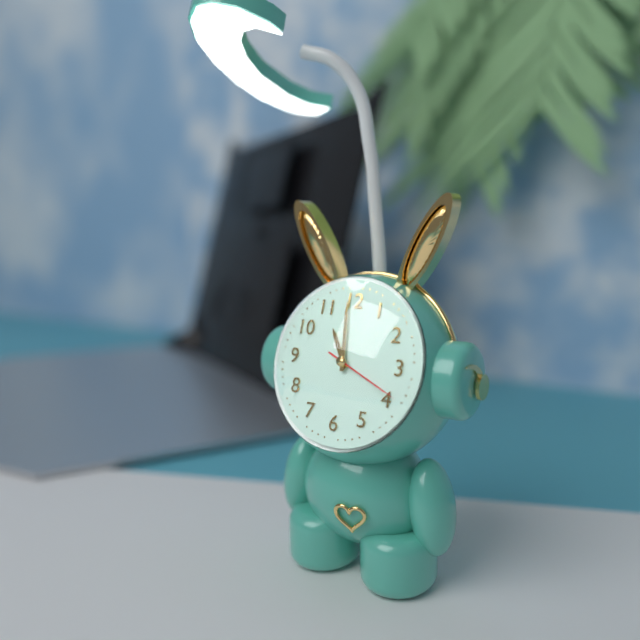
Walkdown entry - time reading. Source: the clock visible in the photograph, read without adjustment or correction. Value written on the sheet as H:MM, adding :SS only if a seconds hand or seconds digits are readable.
10:59:19
